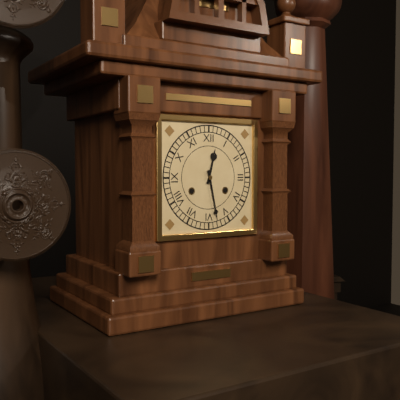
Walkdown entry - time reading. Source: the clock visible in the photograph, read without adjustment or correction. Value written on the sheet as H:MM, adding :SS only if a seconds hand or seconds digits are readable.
12:28
